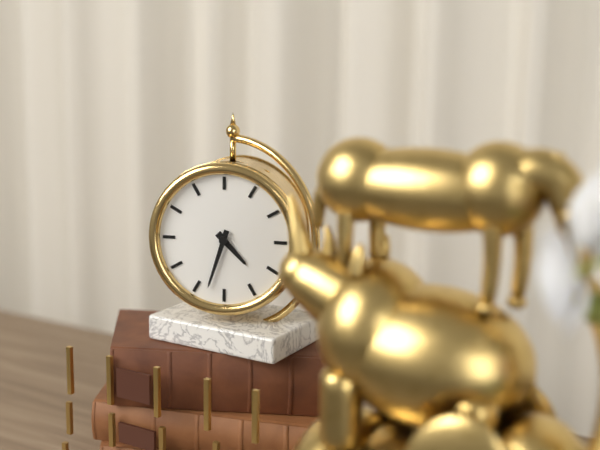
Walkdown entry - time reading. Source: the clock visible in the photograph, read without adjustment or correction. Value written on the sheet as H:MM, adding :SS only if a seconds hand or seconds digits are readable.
4:33
